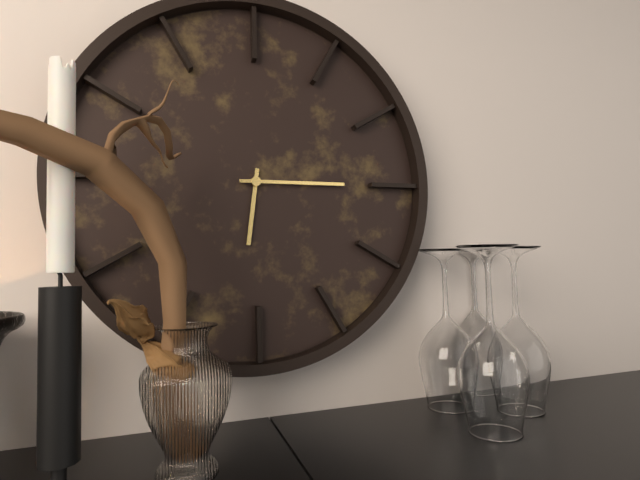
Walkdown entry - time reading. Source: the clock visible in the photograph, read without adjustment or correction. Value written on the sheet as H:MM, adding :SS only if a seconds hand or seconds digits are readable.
6:15
